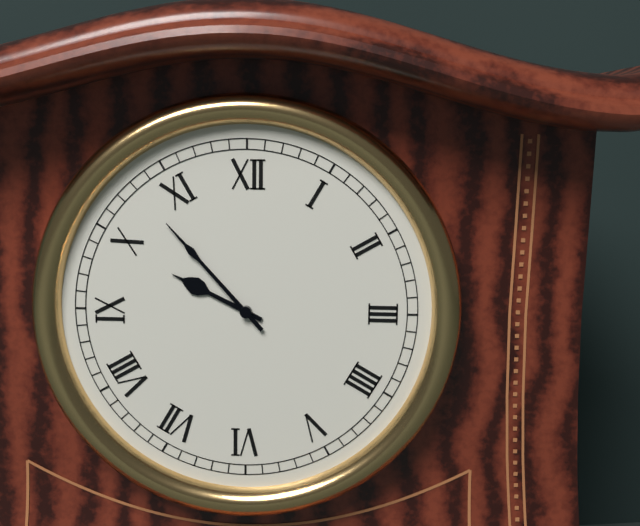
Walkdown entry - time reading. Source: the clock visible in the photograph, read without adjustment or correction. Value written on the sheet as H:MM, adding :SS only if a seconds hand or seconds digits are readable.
9:53
